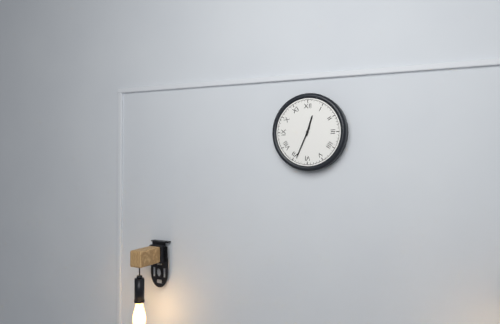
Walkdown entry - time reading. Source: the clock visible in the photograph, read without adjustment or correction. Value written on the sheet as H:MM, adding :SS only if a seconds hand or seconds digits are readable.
12:34
